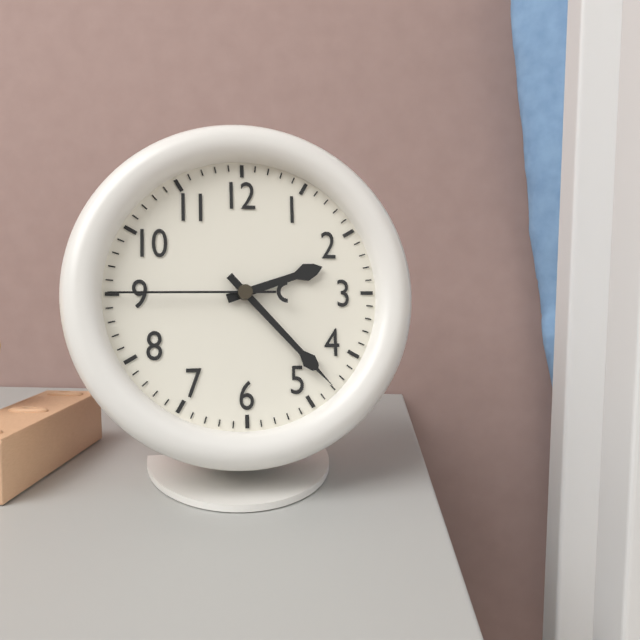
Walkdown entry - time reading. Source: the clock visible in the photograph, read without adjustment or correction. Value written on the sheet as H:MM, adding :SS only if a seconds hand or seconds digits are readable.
2:23:45
